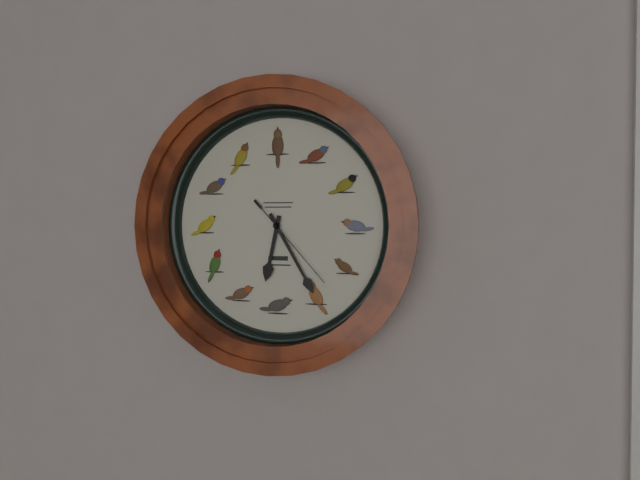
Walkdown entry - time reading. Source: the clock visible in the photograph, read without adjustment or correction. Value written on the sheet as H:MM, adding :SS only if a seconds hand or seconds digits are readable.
6:25:23
